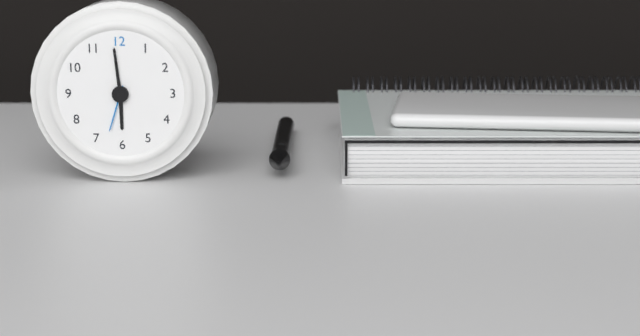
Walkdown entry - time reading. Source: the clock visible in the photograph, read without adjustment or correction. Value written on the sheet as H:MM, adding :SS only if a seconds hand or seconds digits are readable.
5:59
